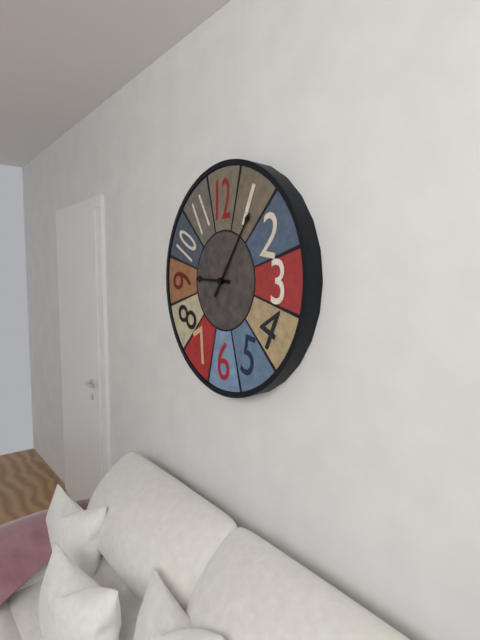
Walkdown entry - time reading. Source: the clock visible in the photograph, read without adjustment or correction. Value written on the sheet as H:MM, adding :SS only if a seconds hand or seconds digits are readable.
9:06
